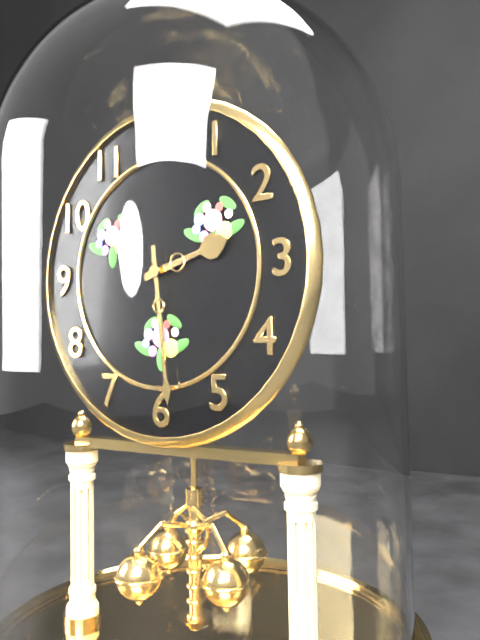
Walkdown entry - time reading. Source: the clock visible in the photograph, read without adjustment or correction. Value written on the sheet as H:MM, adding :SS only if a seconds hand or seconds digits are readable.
2:29
